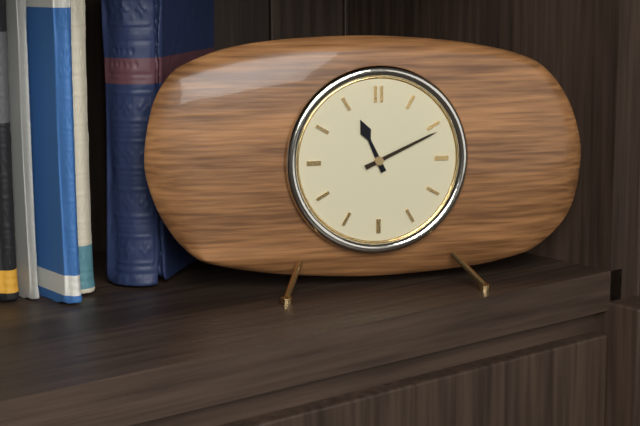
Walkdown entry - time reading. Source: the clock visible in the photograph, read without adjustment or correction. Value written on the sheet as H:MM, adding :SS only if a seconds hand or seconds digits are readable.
11:11
